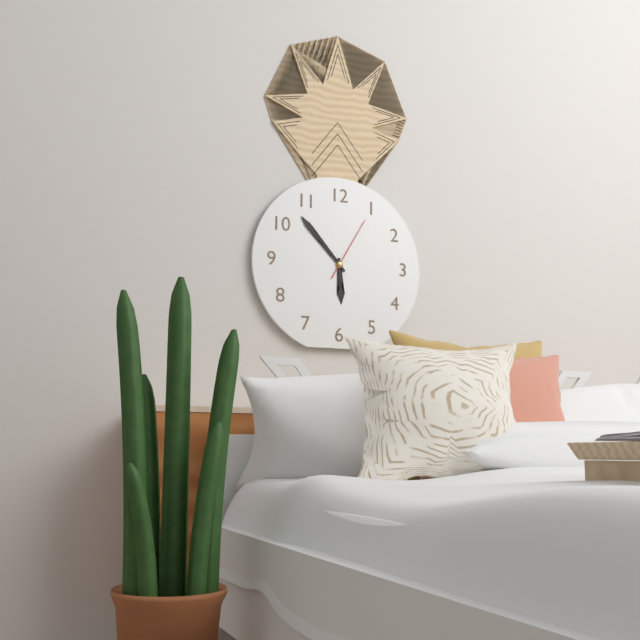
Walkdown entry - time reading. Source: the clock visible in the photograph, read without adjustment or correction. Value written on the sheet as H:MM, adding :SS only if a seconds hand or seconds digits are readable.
5:53:05
